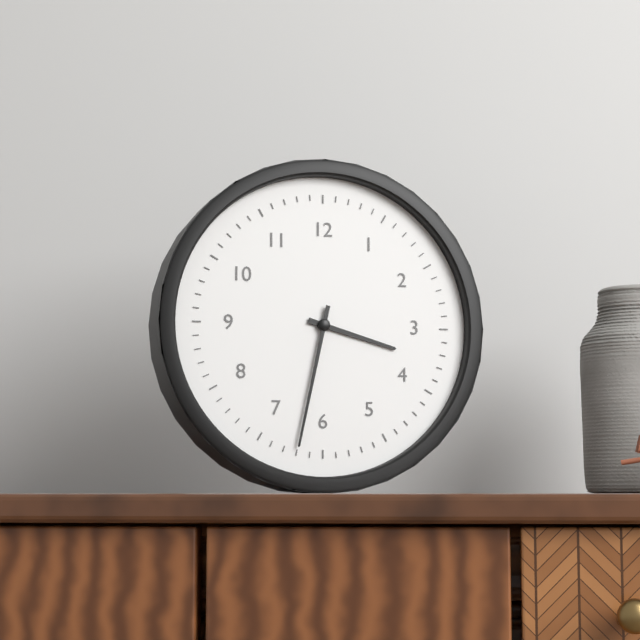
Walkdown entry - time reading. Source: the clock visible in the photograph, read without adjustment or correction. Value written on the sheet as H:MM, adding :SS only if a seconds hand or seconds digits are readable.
3:32
